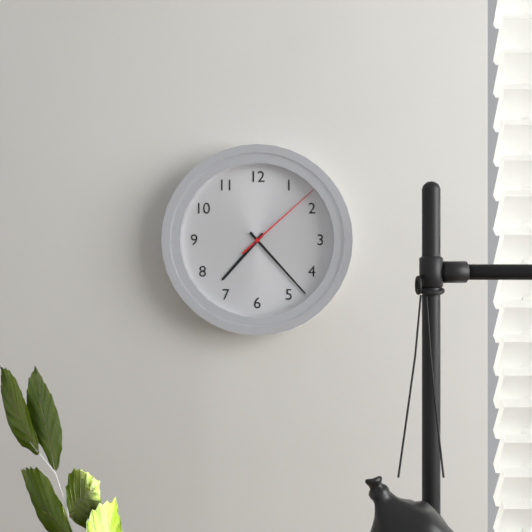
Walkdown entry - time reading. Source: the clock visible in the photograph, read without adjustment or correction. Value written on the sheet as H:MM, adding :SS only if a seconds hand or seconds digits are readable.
7:23:08
